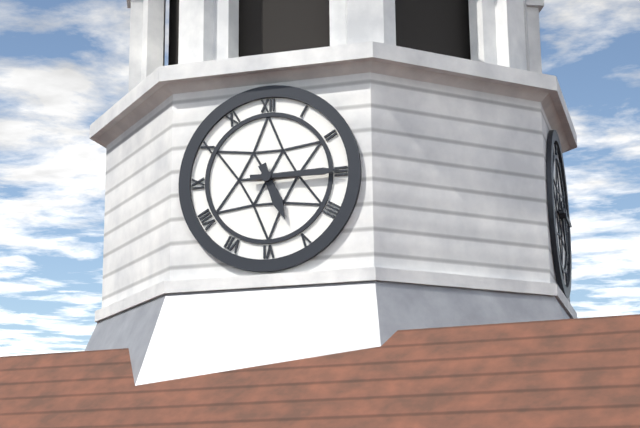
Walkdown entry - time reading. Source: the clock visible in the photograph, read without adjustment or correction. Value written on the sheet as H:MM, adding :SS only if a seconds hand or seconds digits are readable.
5:15
